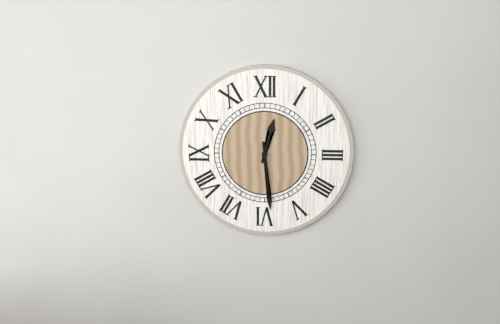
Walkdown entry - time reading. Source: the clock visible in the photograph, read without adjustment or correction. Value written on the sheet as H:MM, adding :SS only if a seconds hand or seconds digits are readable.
12:29
